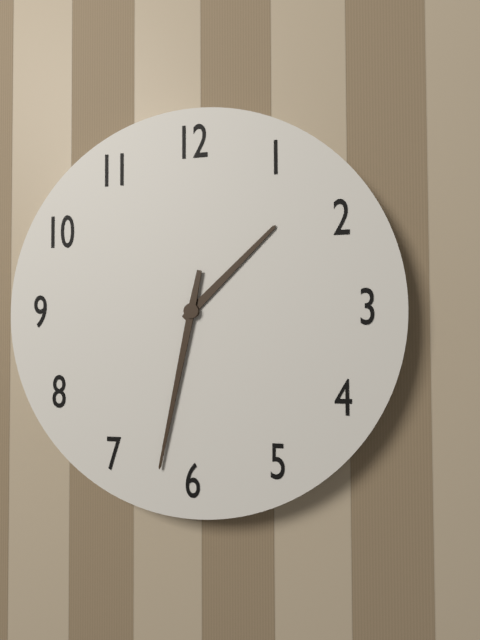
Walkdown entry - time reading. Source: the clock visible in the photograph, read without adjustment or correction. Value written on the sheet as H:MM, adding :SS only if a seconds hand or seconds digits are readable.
1:32
